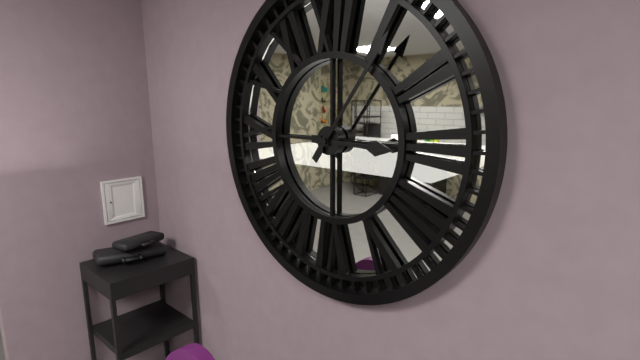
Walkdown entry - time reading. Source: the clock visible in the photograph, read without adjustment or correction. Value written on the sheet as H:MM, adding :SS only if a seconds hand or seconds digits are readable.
3:06
